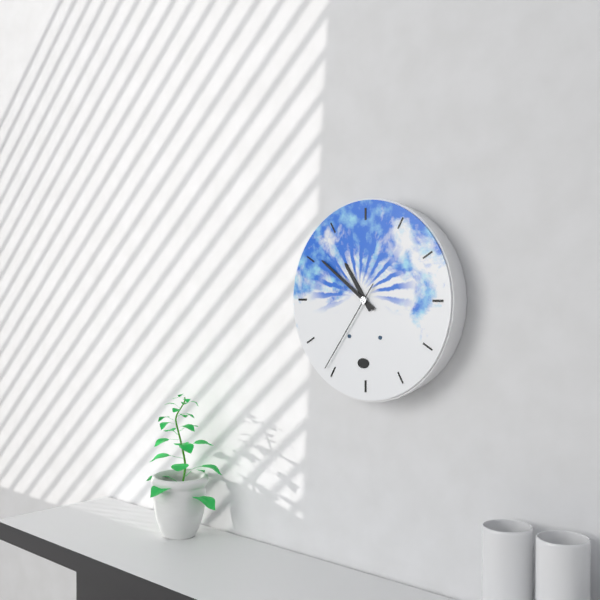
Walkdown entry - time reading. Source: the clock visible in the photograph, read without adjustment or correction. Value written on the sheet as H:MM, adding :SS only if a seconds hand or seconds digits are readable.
10:51:36
